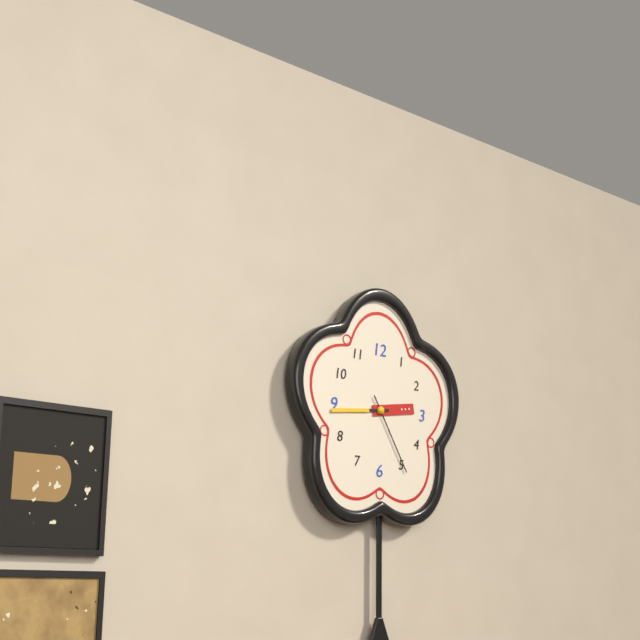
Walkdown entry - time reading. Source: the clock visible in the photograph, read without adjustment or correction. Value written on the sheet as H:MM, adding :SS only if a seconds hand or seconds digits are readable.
2:44:25
